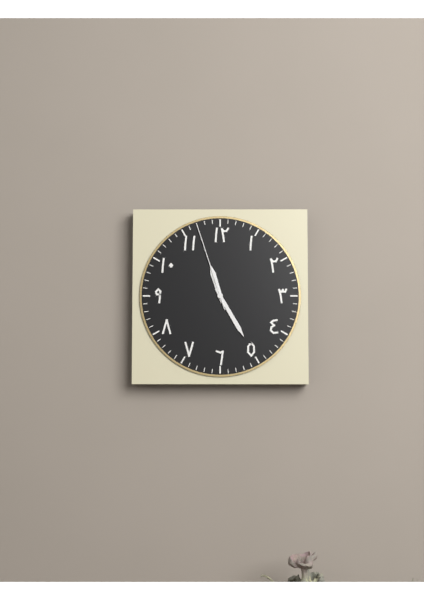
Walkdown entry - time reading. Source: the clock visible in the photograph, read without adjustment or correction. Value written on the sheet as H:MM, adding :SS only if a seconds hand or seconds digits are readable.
11:25:57
